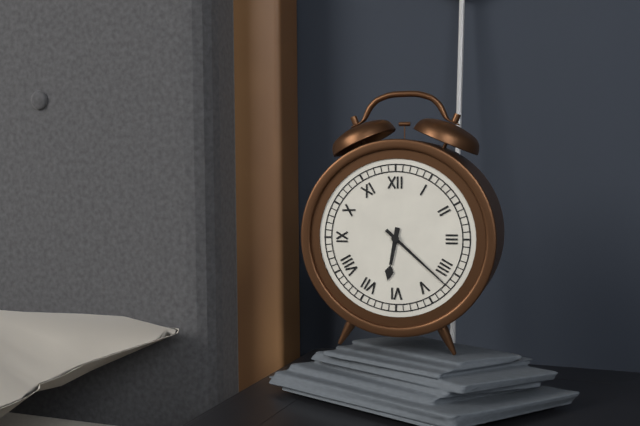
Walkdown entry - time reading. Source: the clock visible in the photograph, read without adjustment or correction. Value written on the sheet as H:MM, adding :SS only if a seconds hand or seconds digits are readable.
6:22
